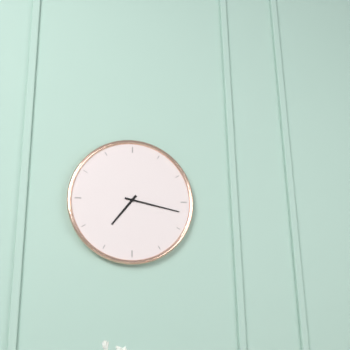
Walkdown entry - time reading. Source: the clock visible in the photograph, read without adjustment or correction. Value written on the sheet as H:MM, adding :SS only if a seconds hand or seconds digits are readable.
7:17
